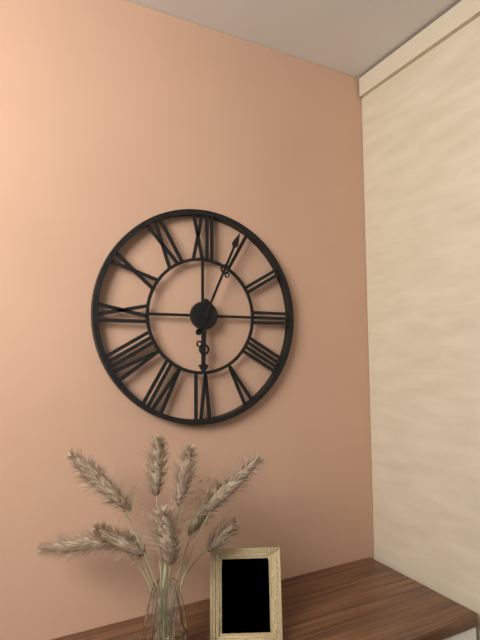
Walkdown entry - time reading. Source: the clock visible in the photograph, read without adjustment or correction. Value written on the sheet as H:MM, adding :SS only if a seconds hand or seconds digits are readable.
6:04
